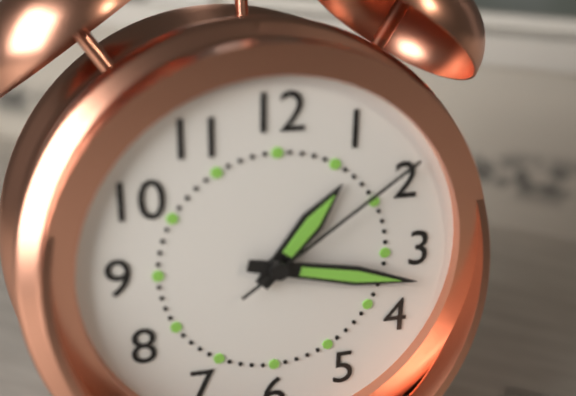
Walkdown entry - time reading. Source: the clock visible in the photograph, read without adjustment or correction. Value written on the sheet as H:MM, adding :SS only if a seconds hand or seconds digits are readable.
1:17:09
